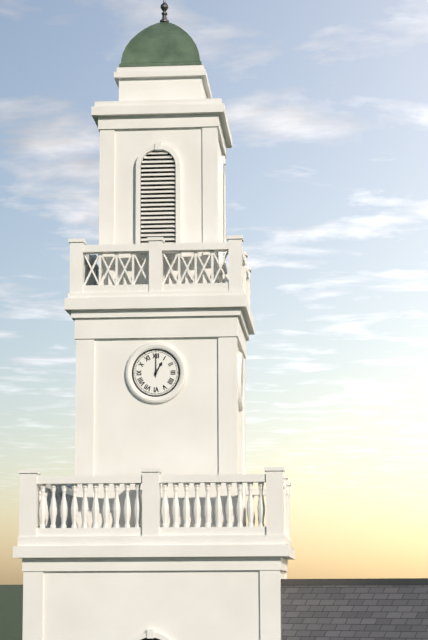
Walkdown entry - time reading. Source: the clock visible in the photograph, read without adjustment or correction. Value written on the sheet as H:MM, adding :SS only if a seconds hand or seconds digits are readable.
1:00
